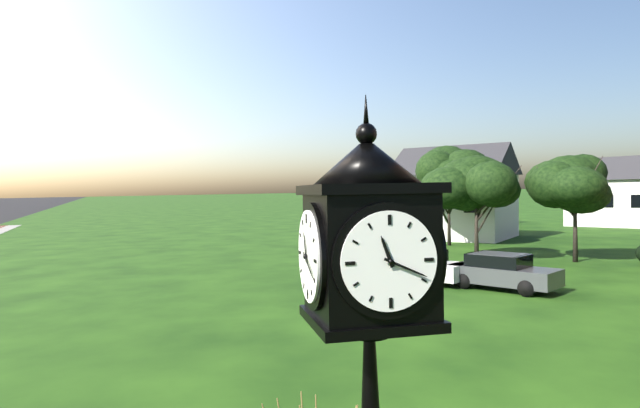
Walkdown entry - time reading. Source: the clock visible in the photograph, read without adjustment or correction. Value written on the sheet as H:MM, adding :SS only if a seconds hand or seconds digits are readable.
11:19
